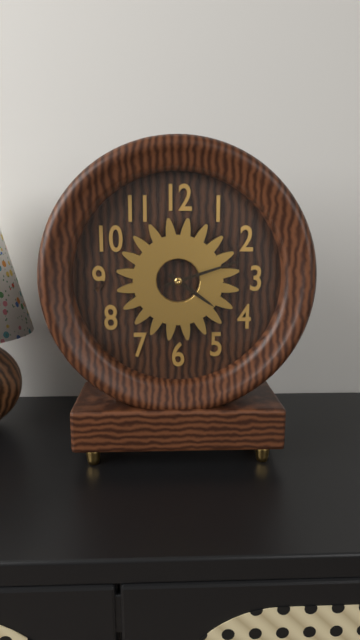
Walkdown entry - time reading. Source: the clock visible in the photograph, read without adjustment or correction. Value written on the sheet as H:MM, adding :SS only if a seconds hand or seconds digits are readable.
4:12
